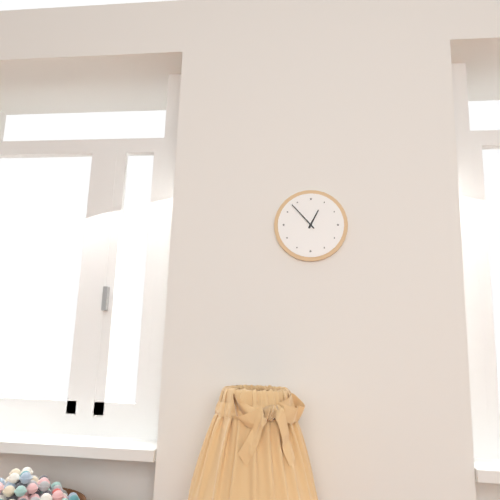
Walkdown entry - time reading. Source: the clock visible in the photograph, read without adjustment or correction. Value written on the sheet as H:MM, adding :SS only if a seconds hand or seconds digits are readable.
12:53
